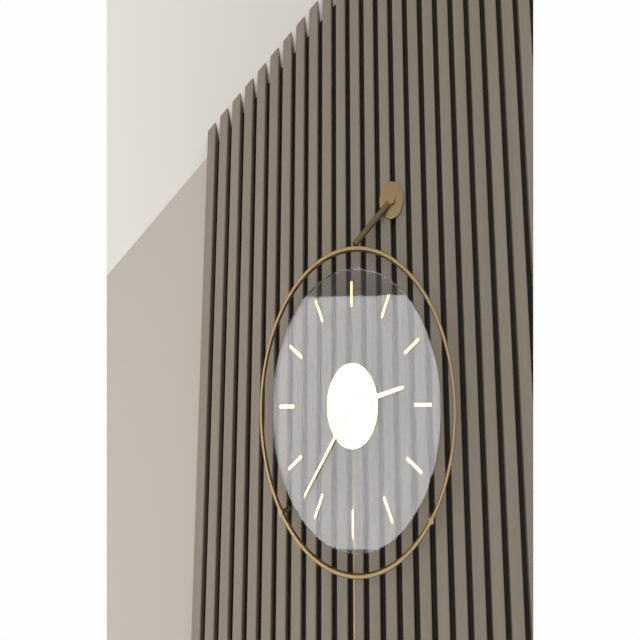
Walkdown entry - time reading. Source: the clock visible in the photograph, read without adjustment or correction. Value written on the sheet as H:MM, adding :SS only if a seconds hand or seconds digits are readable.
2:37
